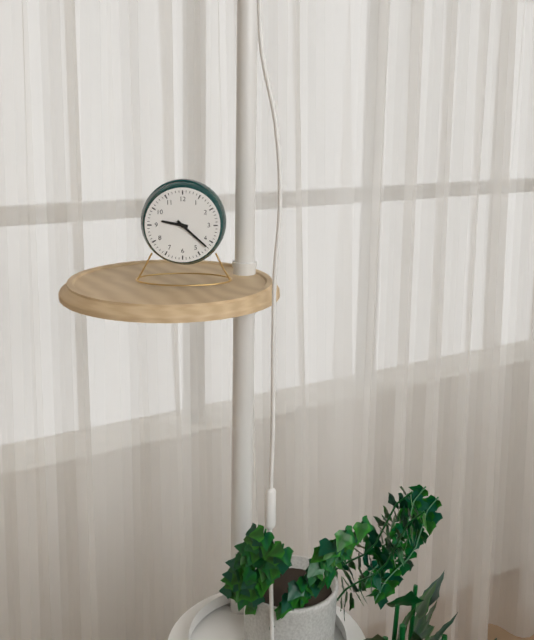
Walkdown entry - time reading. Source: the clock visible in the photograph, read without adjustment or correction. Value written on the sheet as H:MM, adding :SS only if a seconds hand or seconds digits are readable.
9:22
